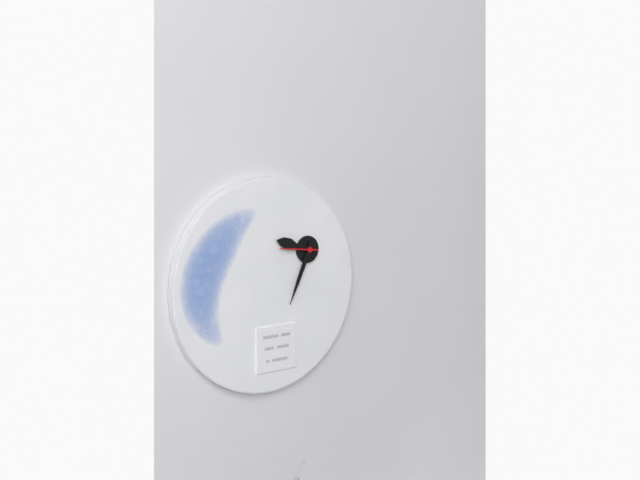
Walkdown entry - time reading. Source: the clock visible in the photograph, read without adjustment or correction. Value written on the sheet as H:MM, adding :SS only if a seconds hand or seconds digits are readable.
9:34
